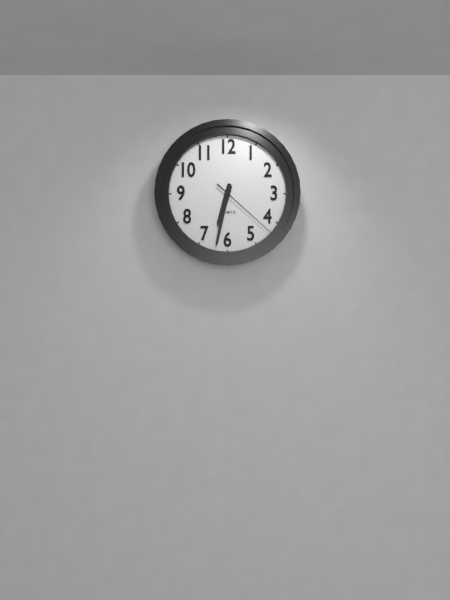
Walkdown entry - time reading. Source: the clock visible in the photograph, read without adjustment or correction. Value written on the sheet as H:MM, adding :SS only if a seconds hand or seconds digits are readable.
6:32:22
